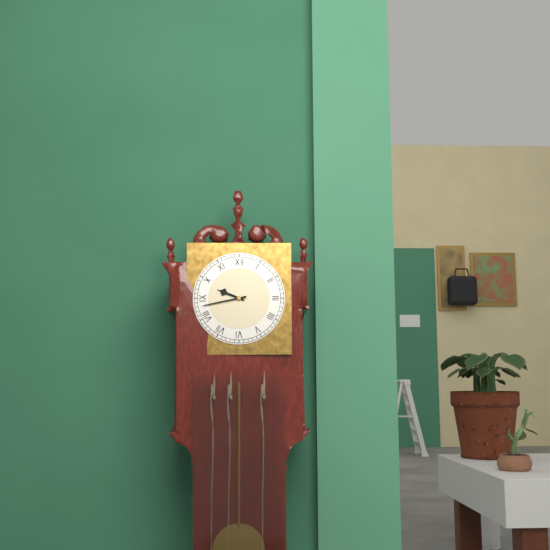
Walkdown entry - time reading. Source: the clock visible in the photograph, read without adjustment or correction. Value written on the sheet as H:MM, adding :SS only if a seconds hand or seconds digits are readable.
9:43
